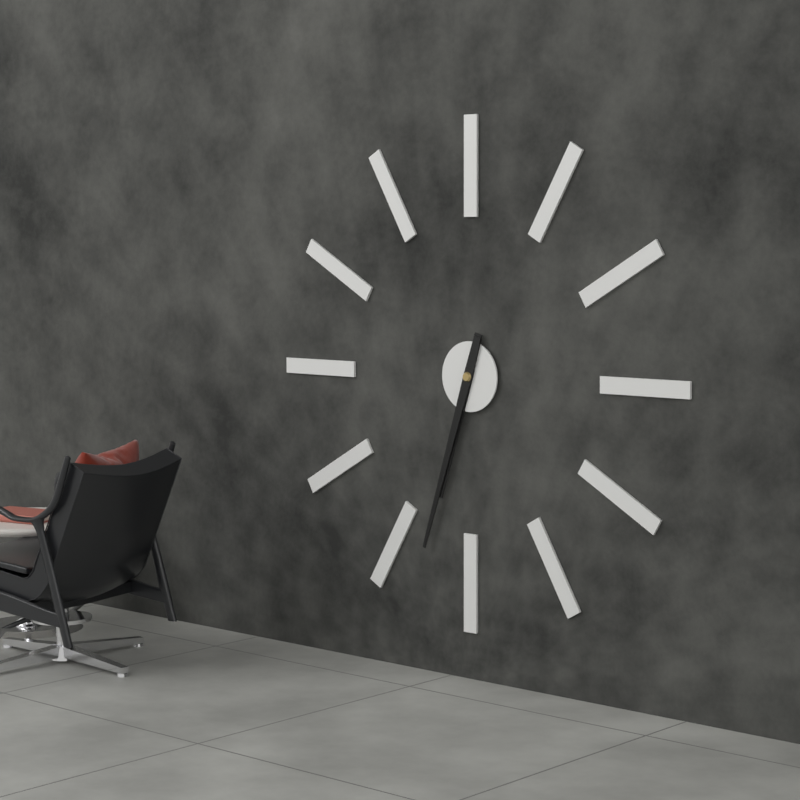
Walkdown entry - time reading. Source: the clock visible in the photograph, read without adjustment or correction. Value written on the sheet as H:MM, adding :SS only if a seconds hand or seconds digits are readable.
6:33
